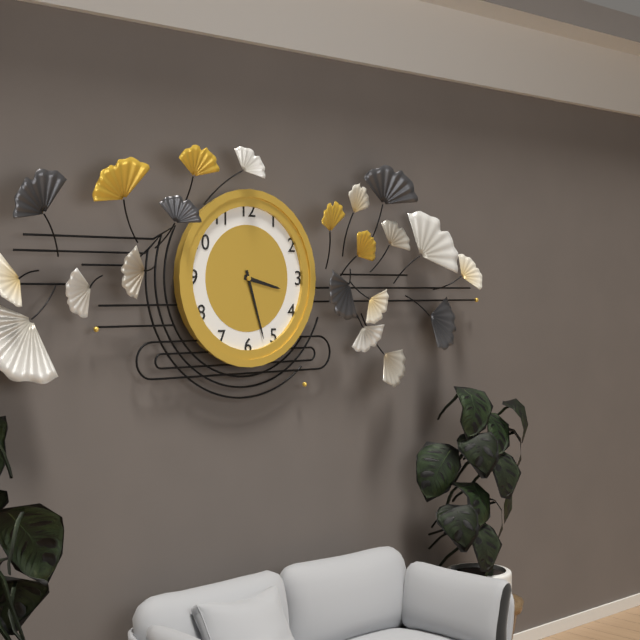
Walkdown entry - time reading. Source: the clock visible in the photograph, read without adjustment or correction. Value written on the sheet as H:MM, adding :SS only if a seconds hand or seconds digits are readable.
3:27
